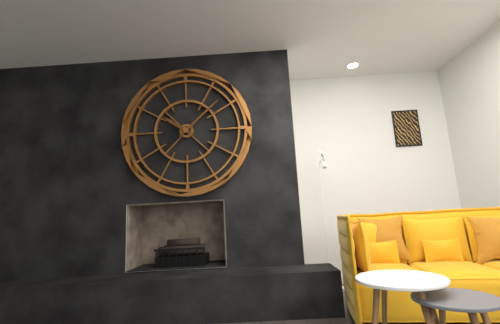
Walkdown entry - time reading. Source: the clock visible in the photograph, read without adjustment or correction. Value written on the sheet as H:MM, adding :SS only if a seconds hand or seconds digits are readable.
10:08
